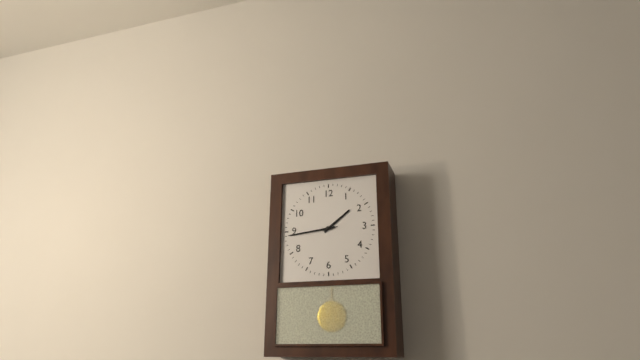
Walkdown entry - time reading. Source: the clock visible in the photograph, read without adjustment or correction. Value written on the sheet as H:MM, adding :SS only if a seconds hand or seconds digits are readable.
1:44:44
